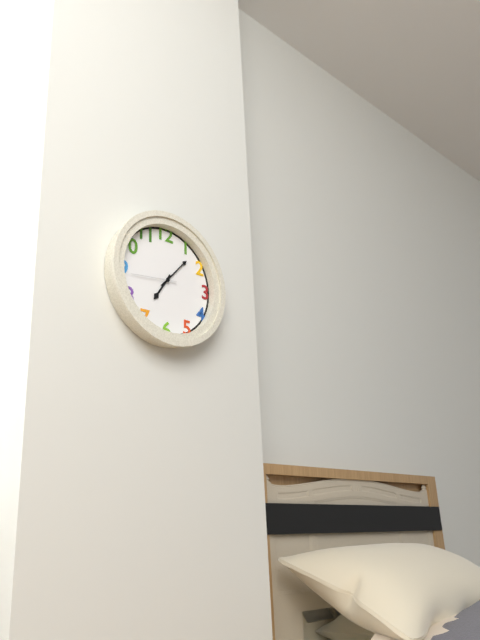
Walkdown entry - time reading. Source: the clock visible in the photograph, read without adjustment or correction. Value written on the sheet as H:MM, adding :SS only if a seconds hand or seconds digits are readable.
7:07
